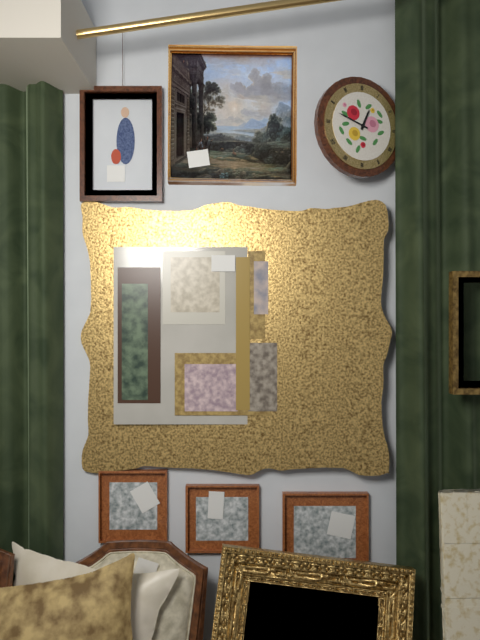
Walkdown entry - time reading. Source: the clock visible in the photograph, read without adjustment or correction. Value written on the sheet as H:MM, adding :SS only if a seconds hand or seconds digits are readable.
12:48
